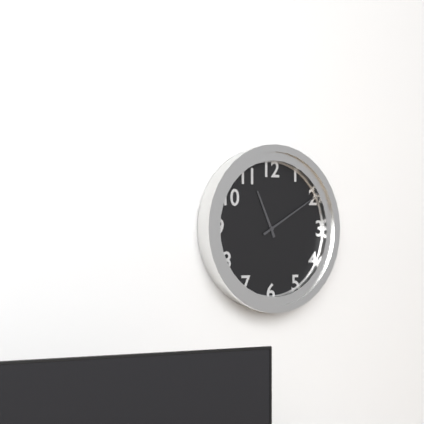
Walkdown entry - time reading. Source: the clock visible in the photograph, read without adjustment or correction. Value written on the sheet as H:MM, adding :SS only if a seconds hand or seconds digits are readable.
11:10
